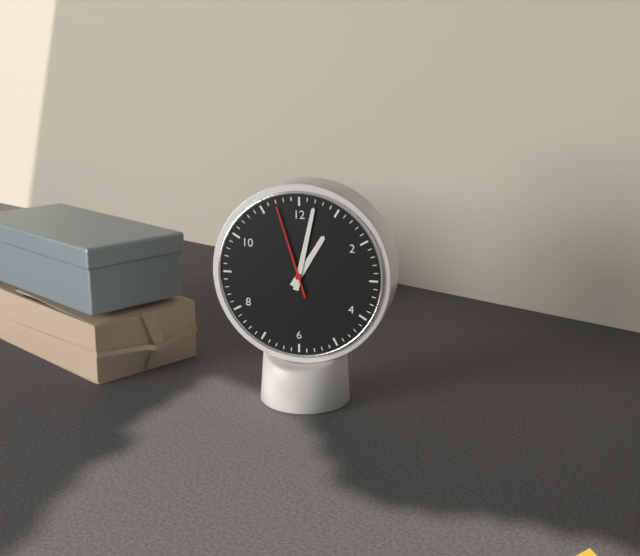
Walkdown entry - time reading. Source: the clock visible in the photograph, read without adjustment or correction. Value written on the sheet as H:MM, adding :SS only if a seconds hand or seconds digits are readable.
1:02:57
